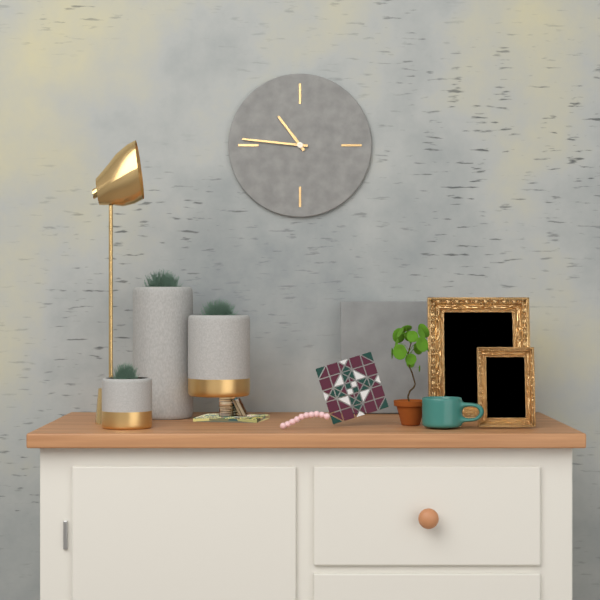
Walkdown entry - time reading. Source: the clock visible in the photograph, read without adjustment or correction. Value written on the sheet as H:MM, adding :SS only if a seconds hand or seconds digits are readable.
10:46
